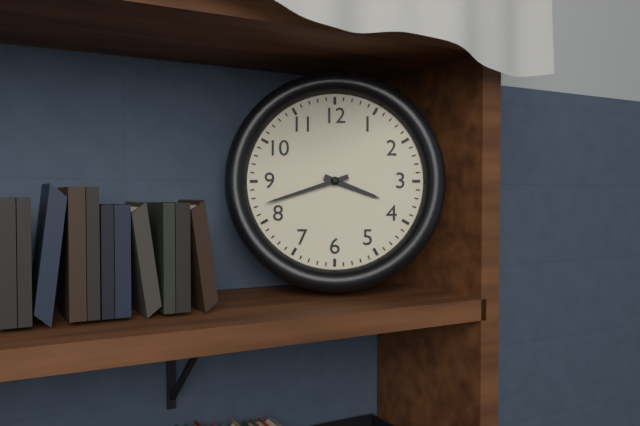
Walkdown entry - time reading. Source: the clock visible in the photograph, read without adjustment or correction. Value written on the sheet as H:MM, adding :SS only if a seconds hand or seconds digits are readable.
3:42
